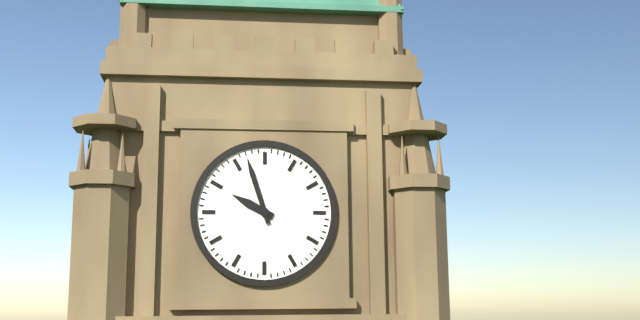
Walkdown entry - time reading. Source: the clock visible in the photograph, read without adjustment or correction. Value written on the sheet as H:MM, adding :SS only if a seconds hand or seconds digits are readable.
9:57
